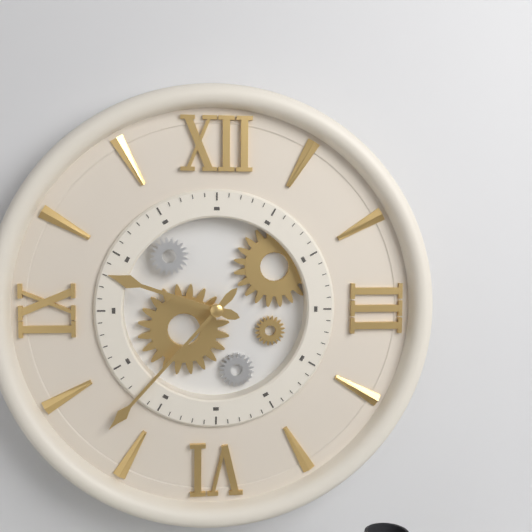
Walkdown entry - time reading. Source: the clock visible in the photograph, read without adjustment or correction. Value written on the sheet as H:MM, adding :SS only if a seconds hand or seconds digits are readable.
9:37
